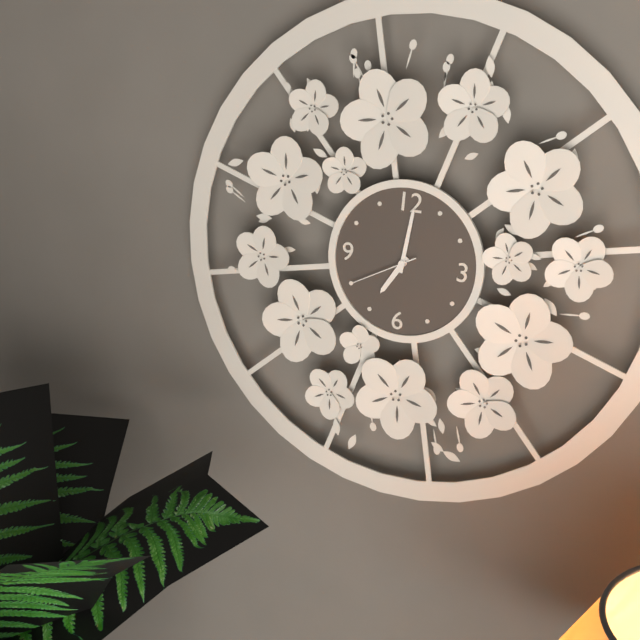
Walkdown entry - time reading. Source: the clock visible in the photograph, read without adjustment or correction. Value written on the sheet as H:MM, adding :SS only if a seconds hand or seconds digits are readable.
7:01:40
